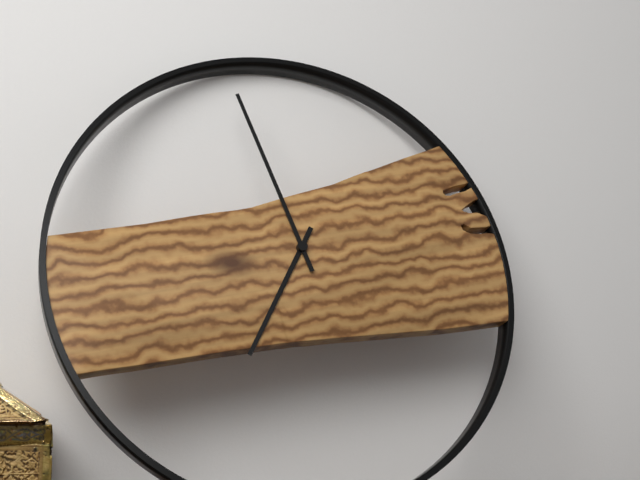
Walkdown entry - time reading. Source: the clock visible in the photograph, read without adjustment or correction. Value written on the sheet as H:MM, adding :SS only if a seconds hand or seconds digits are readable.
6:57
